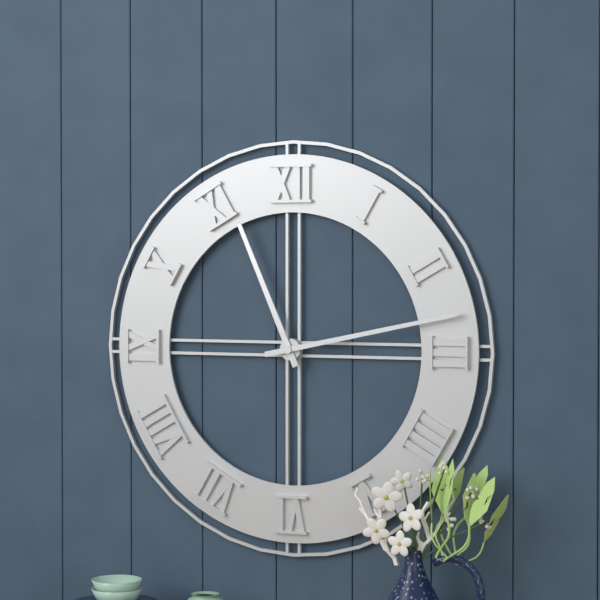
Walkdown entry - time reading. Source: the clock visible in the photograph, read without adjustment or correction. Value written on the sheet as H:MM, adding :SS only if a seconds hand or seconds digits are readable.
11:13
